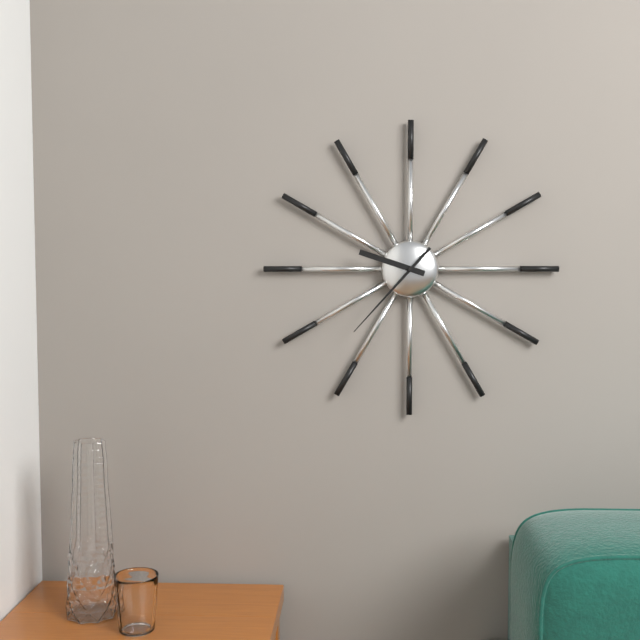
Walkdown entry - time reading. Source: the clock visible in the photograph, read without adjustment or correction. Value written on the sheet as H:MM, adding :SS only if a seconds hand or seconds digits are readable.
9:37
